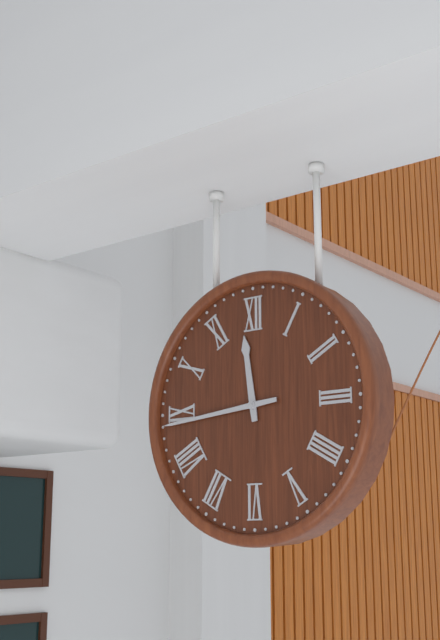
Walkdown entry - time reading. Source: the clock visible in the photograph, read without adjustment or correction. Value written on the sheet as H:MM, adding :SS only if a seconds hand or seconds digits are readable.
11:44
